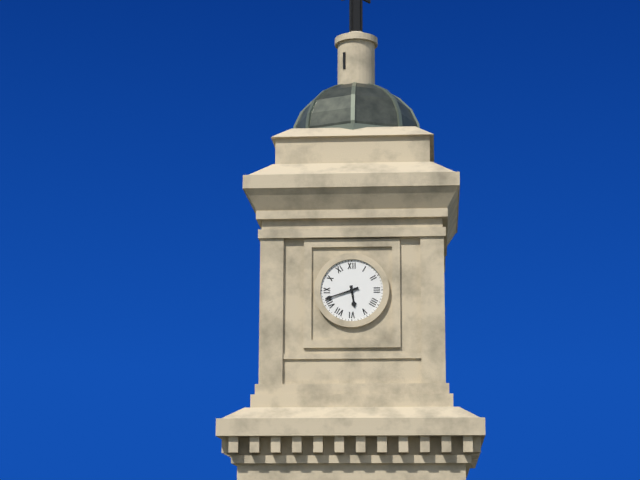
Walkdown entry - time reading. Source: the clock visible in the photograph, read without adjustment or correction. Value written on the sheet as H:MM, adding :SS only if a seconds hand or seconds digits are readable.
5:42
